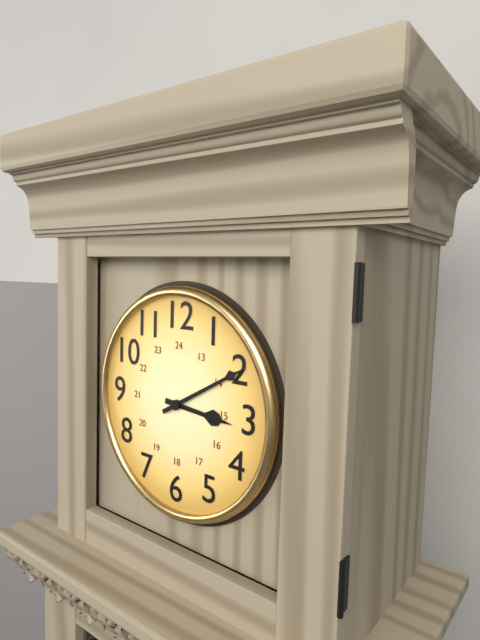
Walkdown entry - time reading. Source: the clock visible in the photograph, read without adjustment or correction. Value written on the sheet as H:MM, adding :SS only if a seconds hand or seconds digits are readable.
3:10
